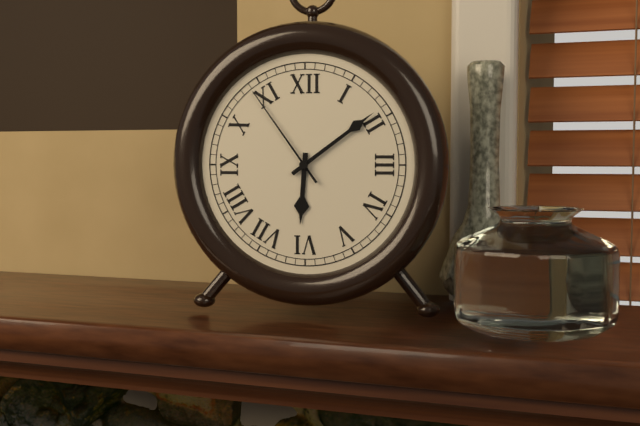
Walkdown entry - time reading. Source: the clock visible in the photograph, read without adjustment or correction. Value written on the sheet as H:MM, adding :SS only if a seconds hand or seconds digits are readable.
6:09:54
